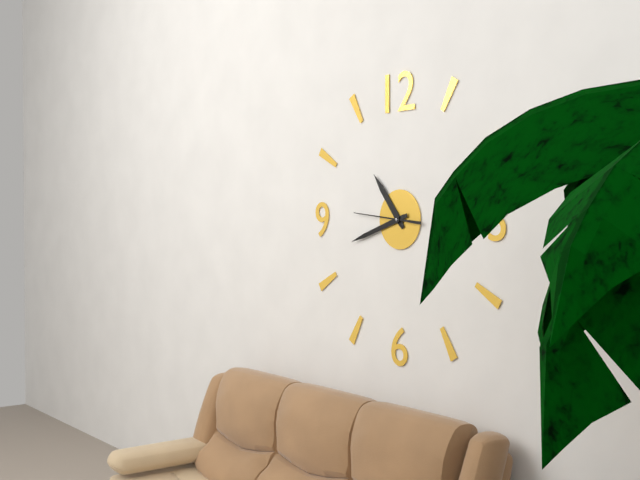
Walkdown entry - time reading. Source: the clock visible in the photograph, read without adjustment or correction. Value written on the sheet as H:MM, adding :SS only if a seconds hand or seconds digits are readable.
10:42:46
